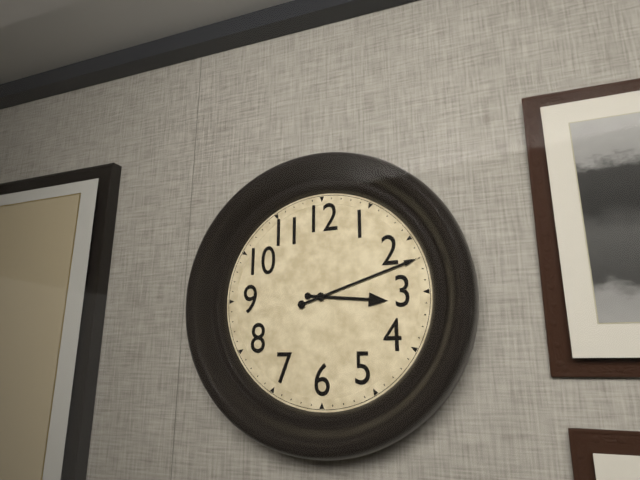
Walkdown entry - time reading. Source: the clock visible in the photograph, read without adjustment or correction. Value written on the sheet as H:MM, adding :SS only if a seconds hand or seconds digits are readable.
3:12
